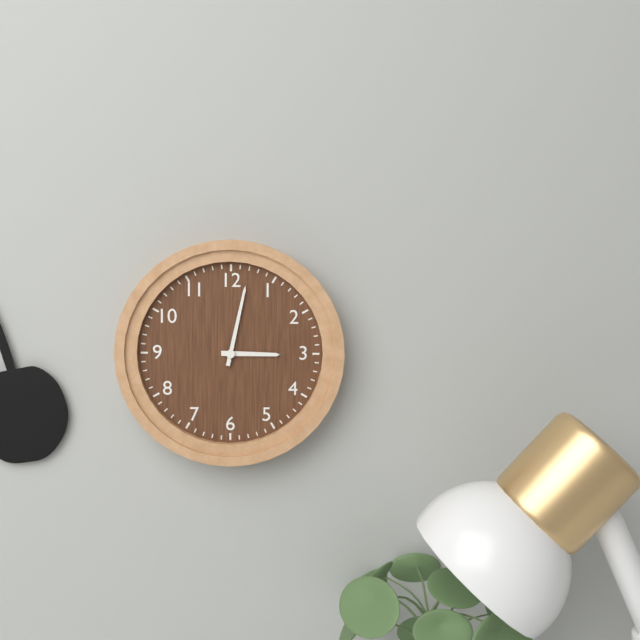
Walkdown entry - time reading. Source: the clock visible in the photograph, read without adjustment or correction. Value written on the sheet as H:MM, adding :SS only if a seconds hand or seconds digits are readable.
3:02
